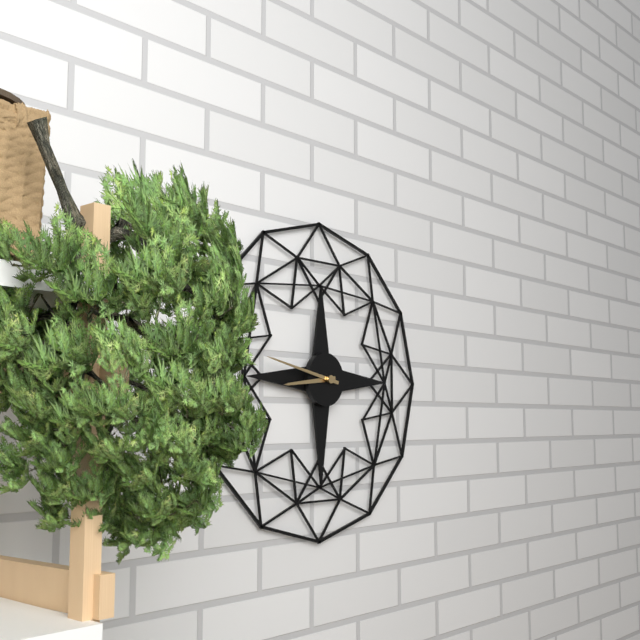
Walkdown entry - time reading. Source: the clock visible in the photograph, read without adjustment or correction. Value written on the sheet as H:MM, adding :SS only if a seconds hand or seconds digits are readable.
8:47
